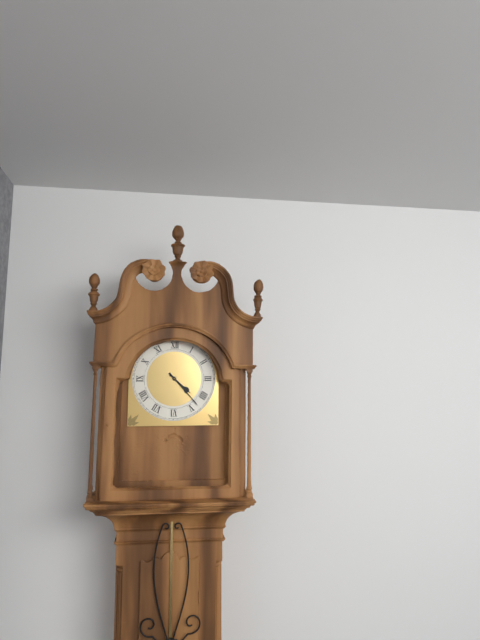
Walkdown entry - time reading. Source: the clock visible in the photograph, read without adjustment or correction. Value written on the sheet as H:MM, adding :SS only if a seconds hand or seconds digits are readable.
4:23
